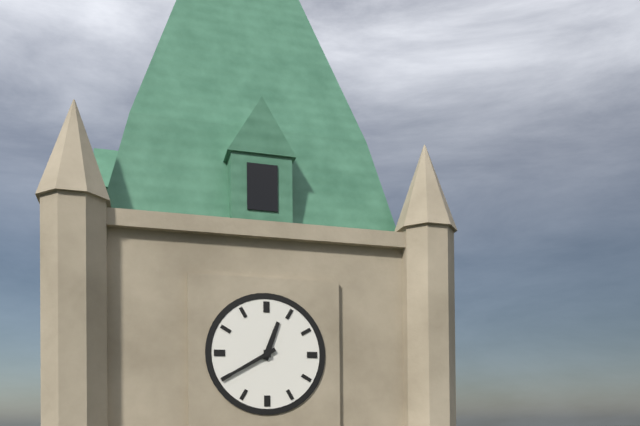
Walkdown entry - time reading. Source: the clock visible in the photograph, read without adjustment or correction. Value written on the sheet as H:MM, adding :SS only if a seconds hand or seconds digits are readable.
12:40
